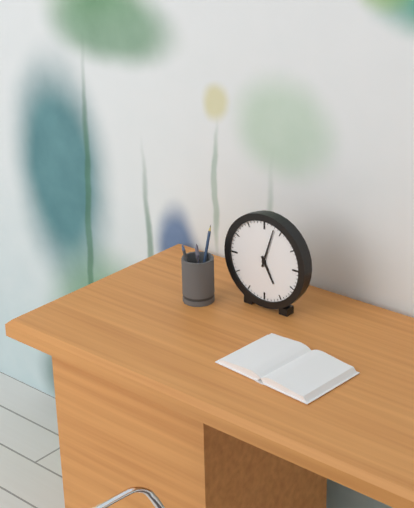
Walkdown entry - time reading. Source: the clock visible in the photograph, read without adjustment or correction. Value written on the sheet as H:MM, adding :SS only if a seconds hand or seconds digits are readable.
5:03
